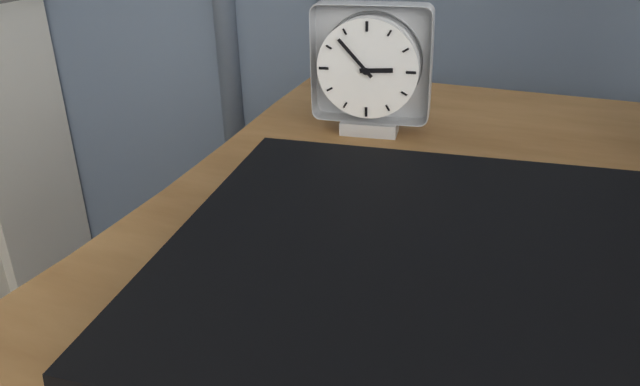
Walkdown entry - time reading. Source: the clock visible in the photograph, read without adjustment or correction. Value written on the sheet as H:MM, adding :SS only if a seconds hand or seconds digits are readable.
2:53
